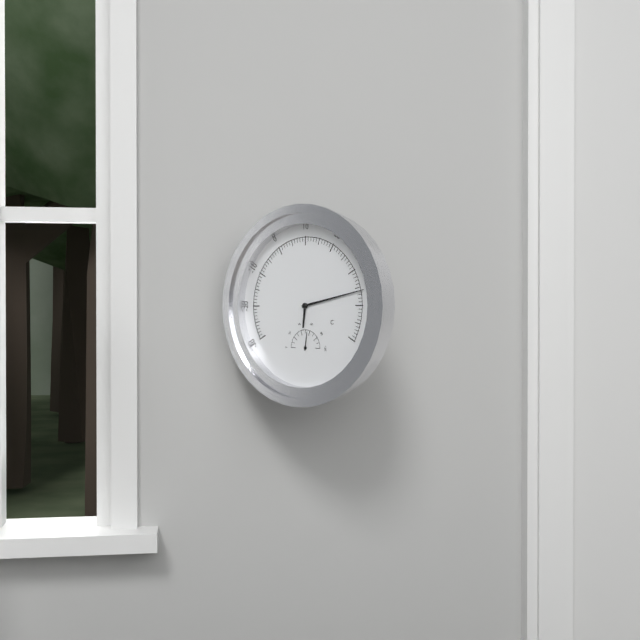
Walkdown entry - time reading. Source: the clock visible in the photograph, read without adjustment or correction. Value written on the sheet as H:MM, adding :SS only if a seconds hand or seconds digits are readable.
6:13
